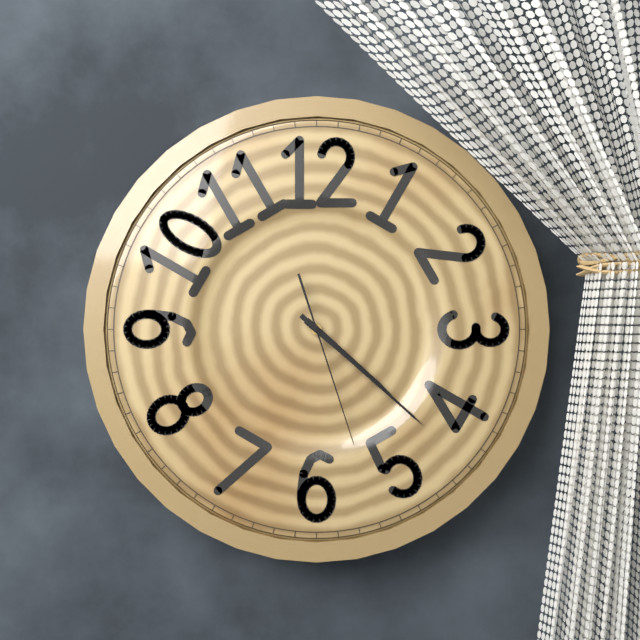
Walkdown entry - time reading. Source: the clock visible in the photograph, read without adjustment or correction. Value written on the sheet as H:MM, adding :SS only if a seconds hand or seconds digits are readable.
4:22:27
